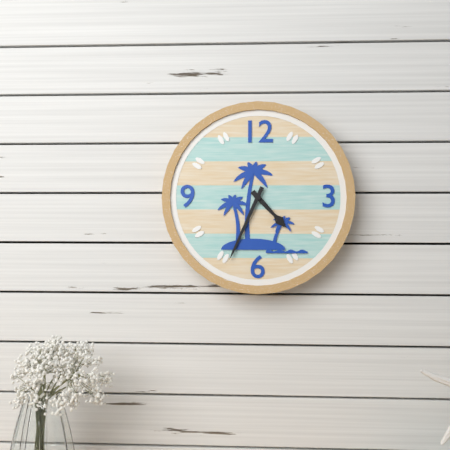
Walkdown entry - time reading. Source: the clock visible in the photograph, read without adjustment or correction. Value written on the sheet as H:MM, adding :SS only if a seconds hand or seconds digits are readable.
4:34
